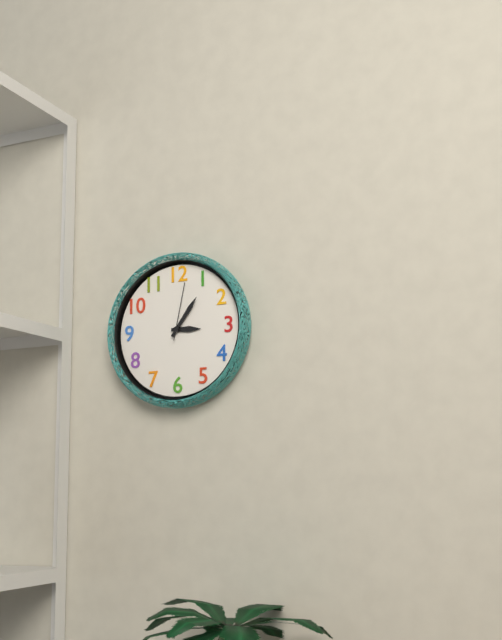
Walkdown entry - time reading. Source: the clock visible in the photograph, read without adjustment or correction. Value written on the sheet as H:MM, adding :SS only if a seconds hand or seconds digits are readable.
3:06:02
